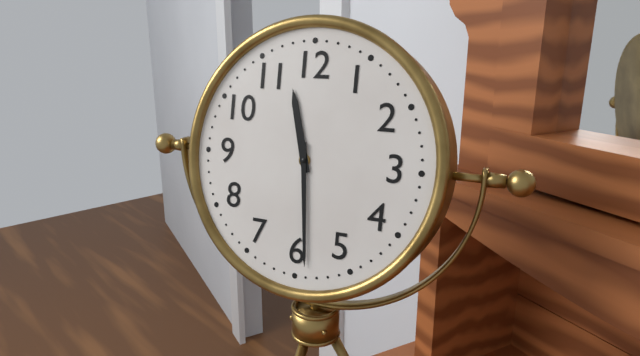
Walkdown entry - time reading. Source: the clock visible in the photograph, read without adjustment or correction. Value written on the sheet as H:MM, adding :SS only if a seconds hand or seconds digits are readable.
11:29
